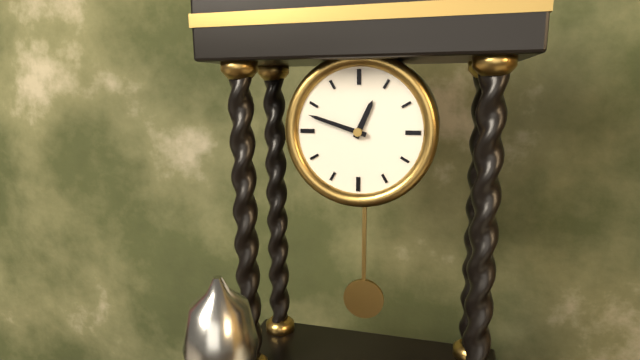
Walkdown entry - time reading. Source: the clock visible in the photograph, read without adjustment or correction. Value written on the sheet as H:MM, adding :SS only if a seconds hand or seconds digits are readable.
12:48
